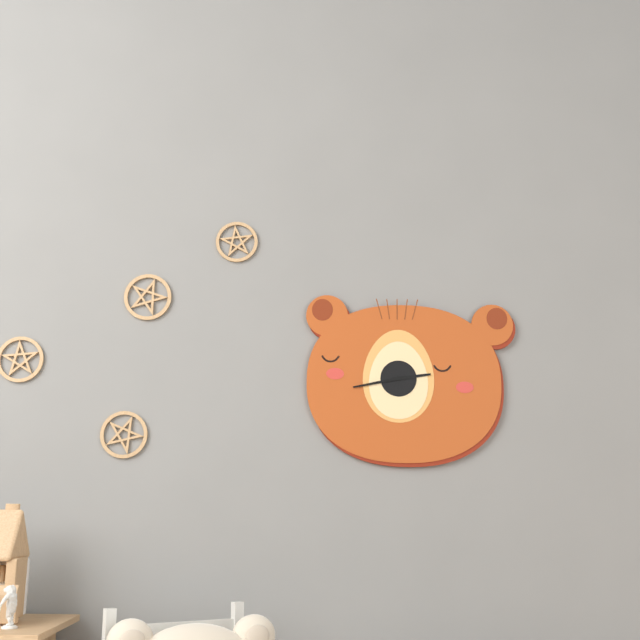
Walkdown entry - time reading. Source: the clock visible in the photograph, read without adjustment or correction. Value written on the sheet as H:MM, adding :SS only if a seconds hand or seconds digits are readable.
2:43
